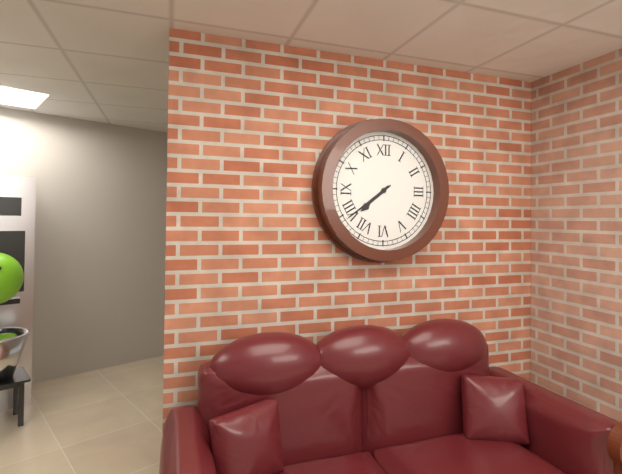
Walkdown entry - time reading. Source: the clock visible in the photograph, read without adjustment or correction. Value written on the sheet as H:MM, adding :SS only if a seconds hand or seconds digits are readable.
7:39
